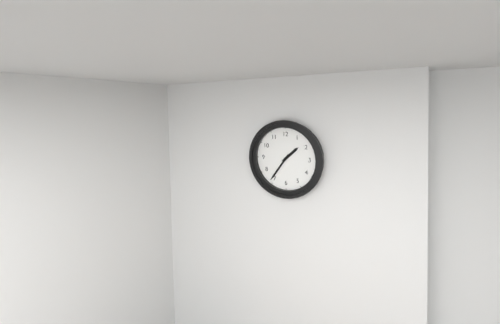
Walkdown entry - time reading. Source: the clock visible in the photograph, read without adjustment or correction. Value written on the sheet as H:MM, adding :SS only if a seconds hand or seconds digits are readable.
1:36
